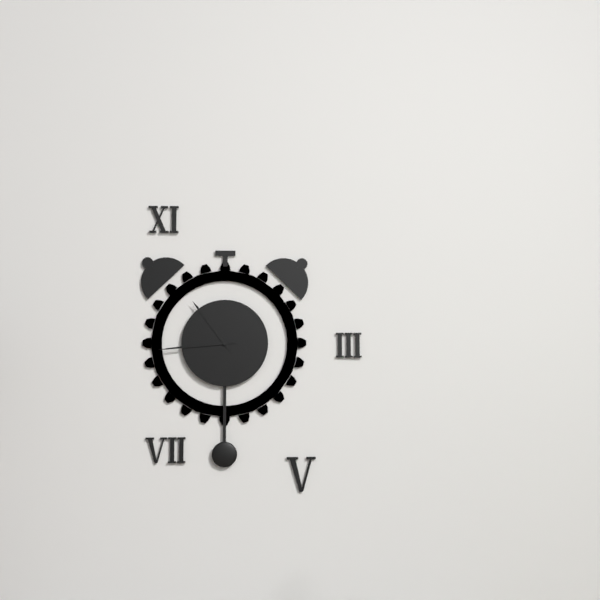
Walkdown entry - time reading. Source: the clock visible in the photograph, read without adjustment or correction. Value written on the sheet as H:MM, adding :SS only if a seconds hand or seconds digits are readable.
10:44
